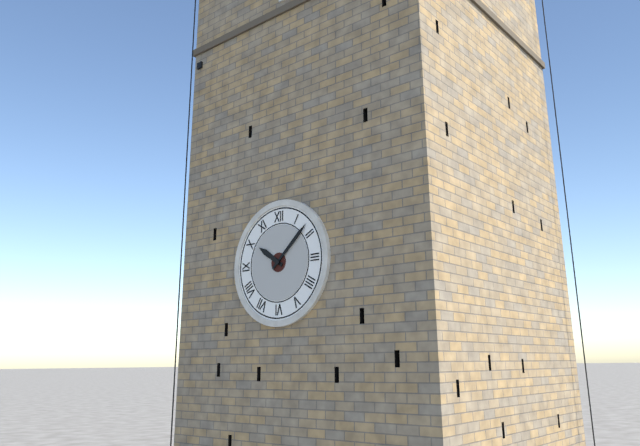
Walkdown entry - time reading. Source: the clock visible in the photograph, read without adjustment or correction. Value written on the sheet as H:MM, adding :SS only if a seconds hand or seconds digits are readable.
10:08
